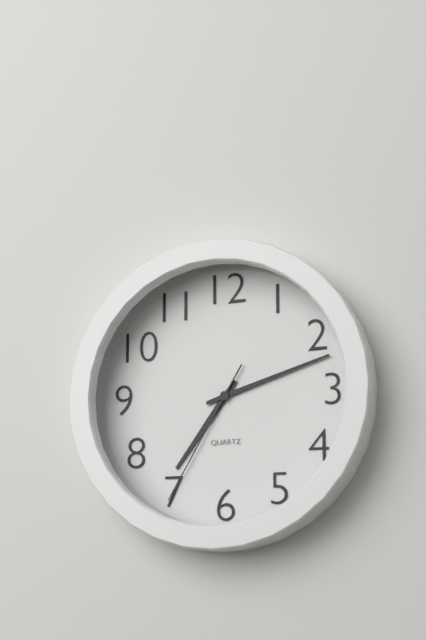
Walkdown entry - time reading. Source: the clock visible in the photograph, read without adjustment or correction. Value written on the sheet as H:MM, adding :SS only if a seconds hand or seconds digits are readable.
7:12:35
